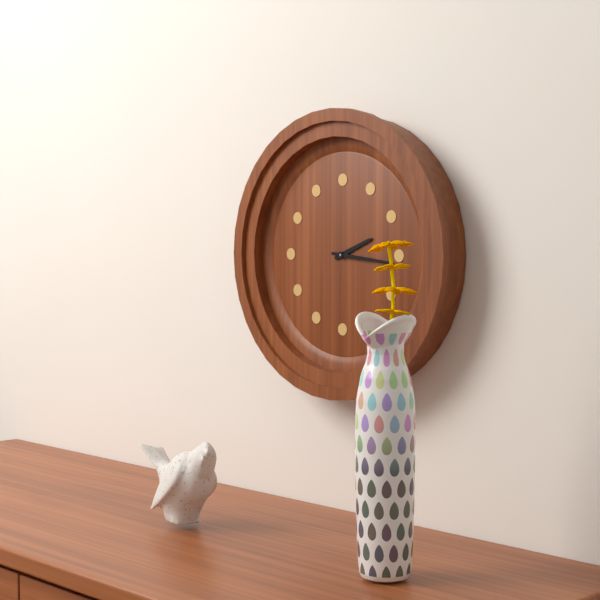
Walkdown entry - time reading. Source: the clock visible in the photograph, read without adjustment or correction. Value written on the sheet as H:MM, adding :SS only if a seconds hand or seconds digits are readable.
2:16
